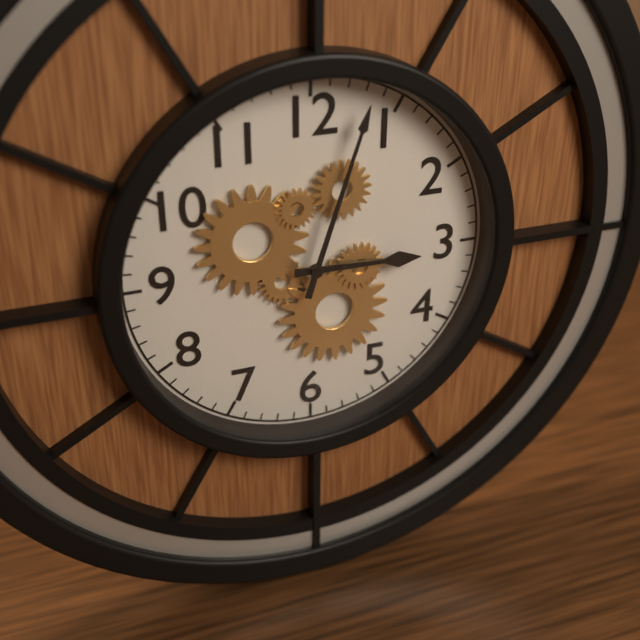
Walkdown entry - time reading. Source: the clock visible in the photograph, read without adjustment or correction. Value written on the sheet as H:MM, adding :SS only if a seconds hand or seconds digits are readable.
3:03
